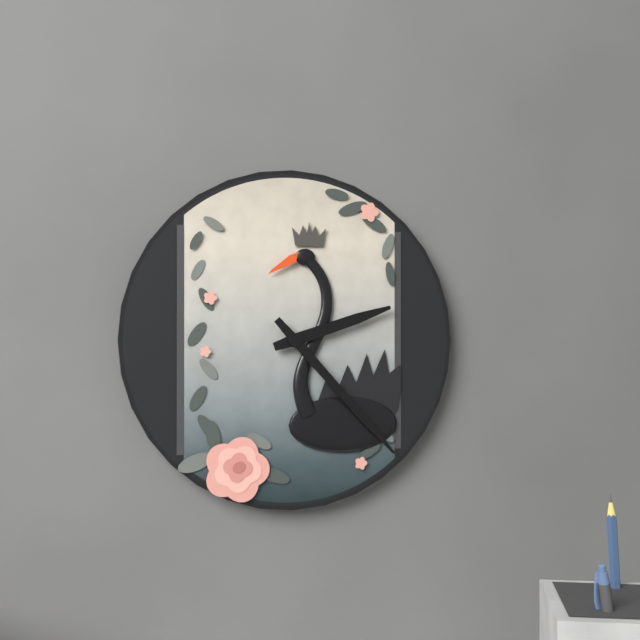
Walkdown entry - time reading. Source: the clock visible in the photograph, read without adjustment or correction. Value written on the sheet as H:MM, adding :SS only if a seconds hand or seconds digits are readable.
2:23
